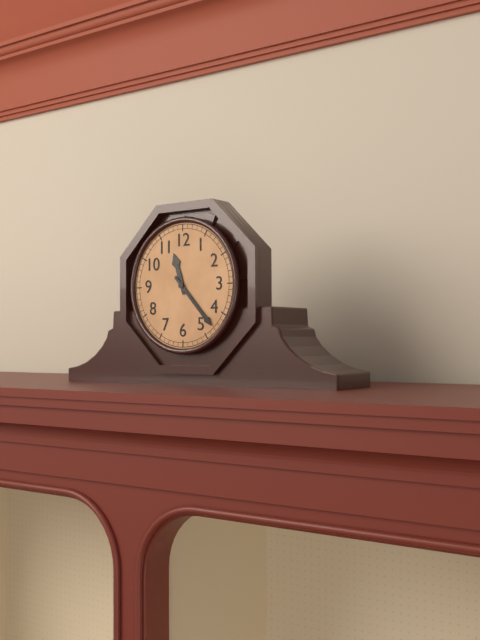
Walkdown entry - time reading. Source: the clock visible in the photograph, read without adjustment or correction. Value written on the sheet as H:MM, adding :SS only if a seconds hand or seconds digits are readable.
11:23
